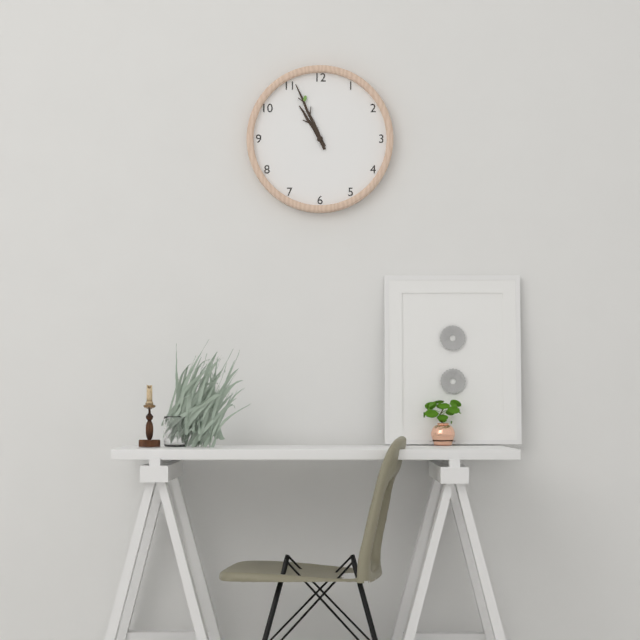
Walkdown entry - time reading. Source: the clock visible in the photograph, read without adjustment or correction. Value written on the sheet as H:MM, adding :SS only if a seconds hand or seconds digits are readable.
10:56
